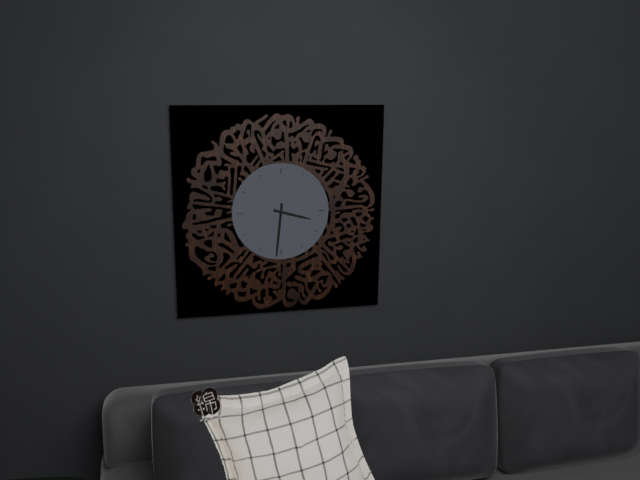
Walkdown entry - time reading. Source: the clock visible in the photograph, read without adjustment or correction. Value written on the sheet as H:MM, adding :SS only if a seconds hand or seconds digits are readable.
3:31
